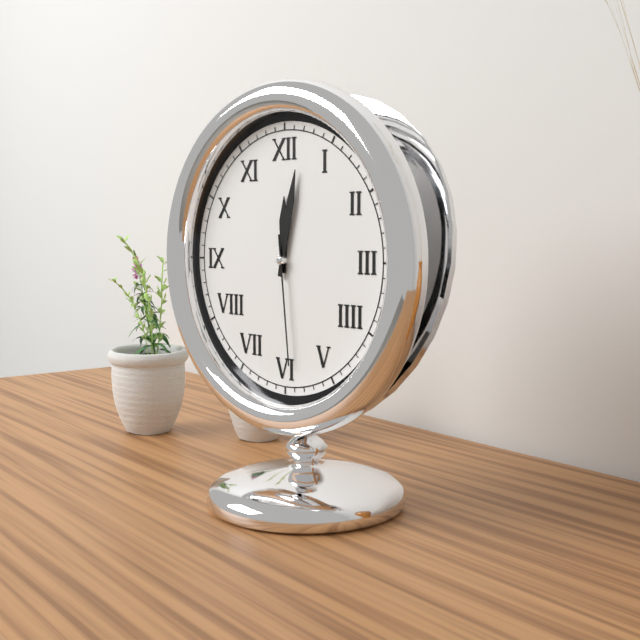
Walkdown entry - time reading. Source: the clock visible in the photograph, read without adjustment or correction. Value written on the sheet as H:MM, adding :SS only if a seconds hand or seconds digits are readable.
12:02:29
